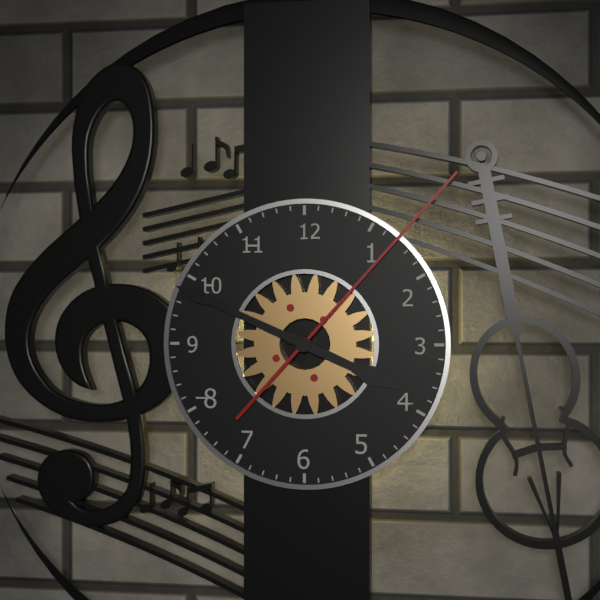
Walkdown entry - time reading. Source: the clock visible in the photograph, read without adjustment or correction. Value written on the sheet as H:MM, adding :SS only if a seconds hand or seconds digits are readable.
3:49:07
